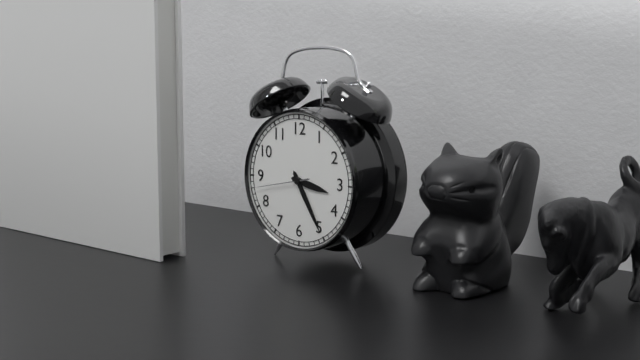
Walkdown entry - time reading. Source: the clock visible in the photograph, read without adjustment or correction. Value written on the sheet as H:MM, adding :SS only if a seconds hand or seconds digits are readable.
3:25:43
